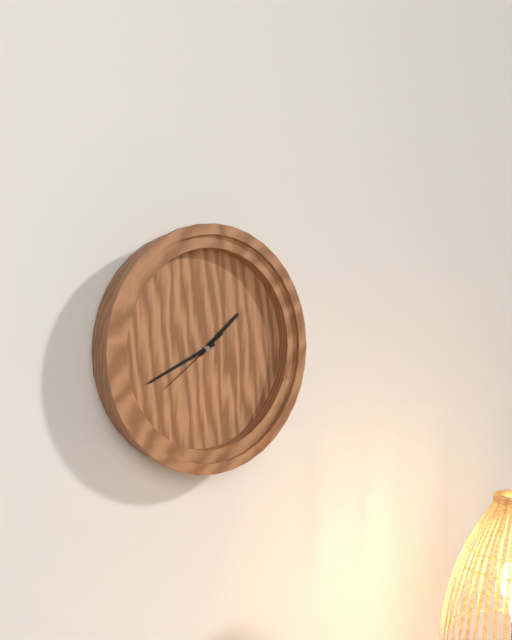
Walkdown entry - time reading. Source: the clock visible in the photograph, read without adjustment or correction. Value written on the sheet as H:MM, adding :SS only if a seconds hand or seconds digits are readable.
1:41:39
